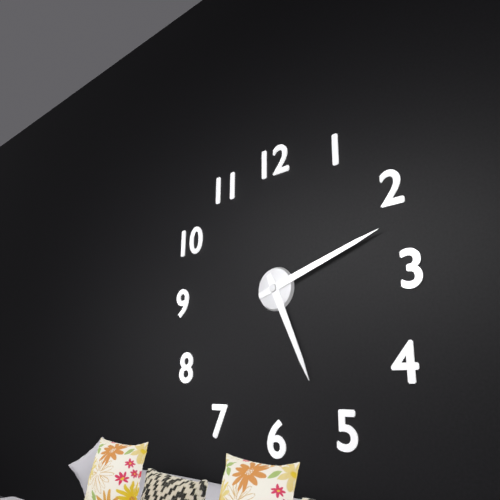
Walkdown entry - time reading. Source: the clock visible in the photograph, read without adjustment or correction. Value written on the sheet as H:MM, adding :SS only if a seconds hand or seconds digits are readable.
5:12
